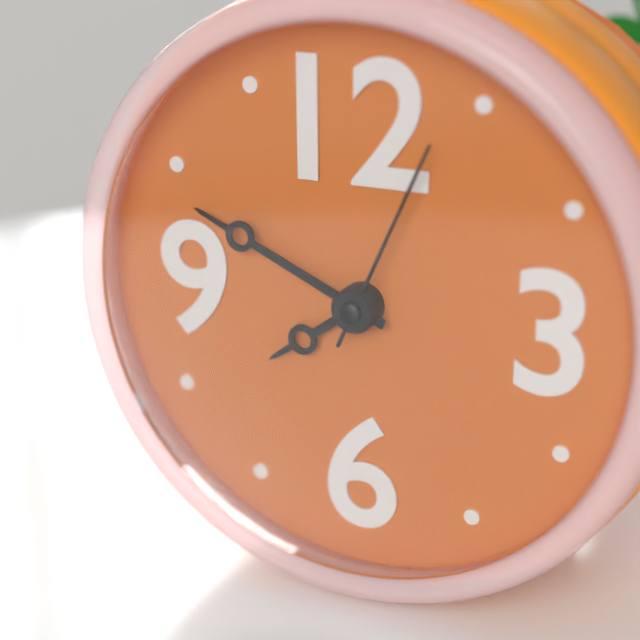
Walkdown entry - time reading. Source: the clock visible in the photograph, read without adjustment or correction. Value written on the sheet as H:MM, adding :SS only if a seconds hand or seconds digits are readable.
7:49:04
